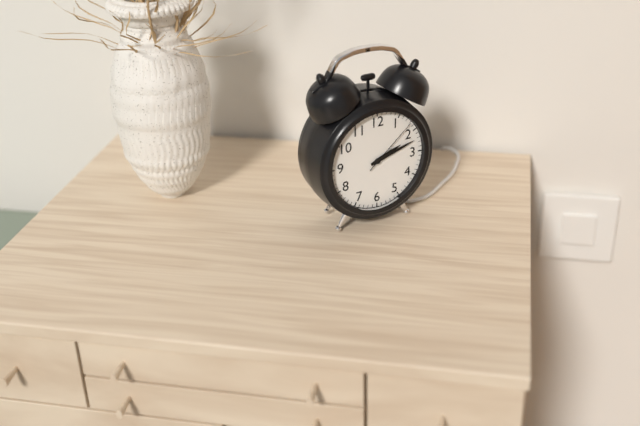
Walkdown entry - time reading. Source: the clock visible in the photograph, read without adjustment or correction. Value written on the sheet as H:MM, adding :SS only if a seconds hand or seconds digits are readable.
2:12:08
